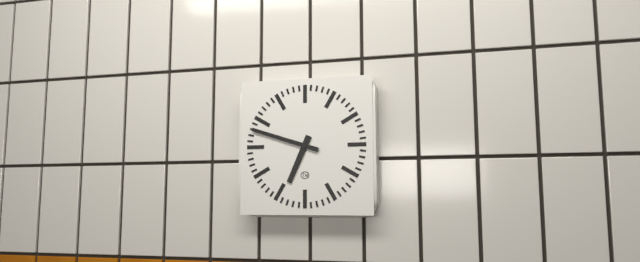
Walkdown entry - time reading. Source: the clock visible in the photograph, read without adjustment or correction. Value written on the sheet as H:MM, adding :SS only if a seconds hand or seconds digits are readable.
6:48
